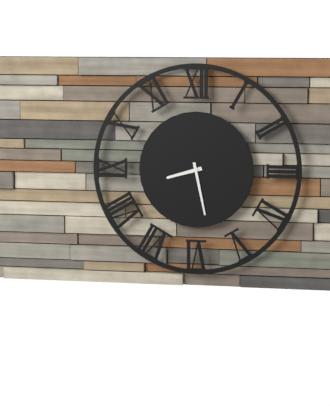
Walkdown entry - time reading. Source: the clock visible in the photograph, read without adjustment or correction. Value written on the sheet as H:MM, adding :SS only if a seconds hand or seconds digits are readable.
8:28
